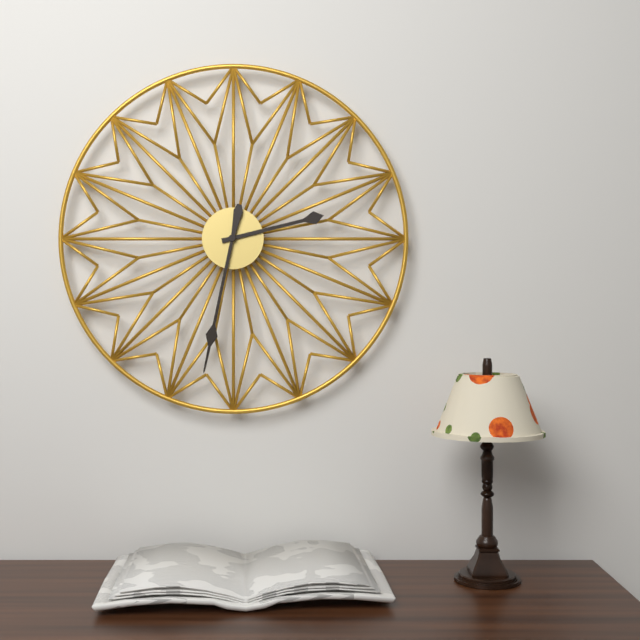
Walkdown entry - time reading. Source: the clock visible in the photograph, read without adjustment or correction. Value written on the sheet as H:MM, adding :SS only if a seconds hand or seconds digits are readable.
2:32
